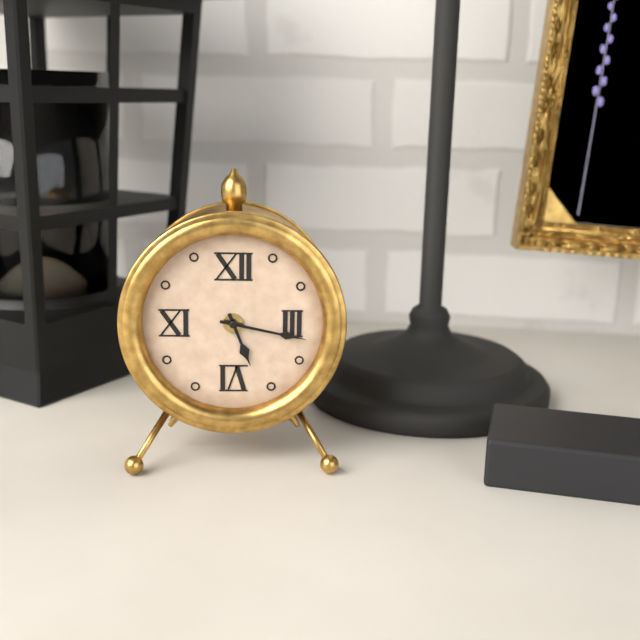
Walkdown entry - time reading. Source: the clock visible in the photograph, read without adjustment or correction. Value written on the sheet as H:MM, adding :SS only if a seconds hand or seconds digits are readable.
5:17
